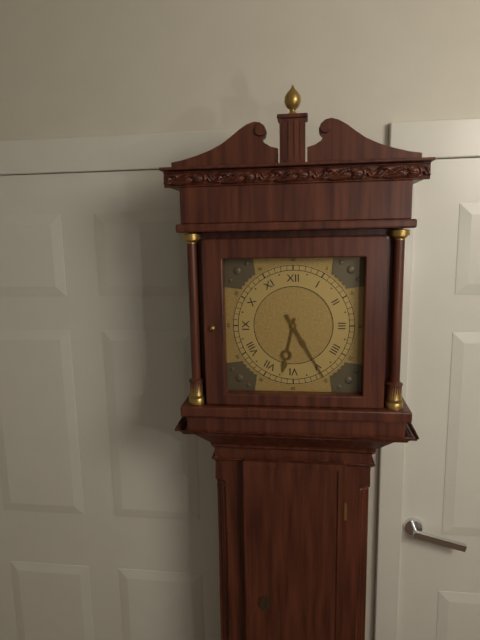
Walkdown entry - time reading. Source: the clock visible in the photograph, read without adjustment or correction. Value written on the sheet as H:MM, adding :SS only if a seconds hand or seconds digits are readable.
6:25
